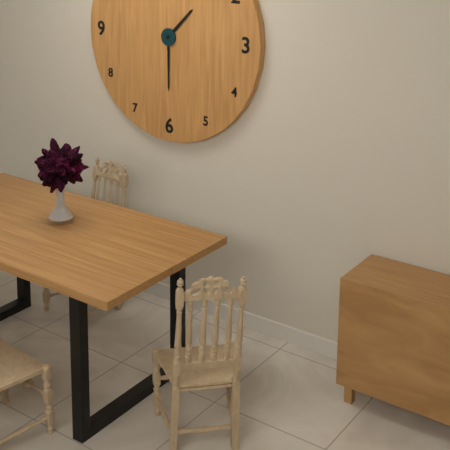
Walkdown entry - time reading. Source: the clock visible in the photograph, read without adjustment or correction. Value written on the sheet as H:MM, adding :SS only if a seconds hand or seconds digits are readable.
1:30
